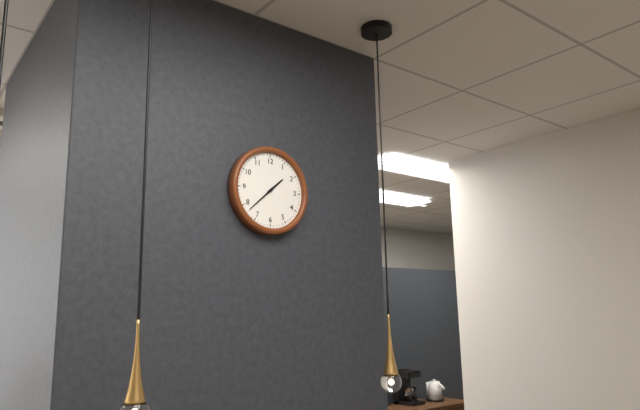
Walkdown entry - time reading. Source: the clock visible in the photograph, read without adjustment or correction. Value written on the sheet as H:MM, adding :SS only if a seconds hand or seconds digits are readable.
1:38
